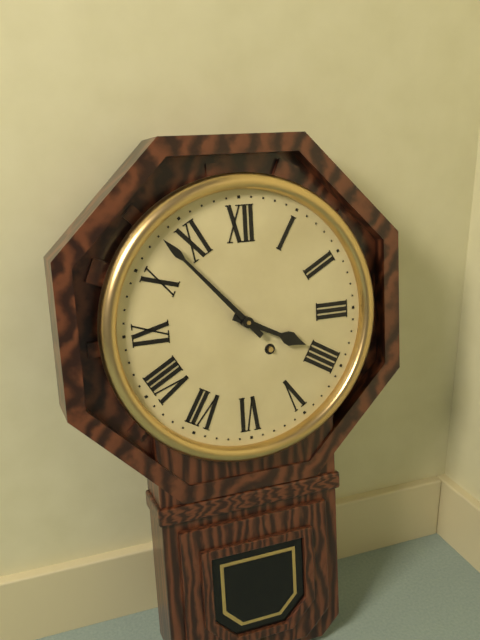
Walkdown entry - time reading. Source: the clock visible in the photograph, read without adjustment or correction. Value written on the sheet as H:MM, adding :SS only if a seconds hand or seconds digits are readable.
3:53
